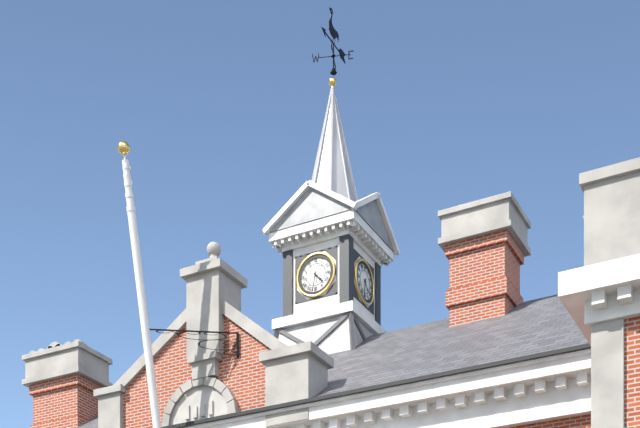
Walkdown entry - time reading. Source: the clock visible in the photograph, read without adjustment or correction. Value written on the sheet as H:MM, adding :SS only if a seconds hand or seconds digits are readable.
4:32
